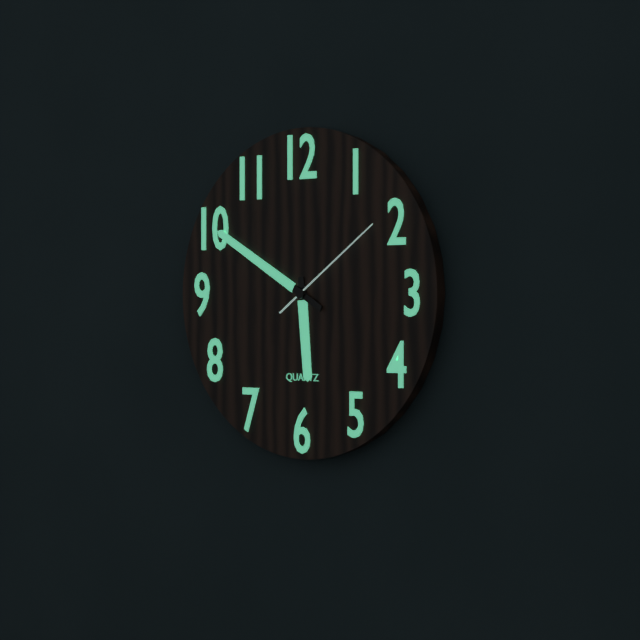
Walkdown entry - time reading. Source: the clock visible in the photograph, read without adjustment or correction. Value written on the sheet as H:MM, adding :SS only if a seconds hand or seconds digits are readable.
5:50:09
